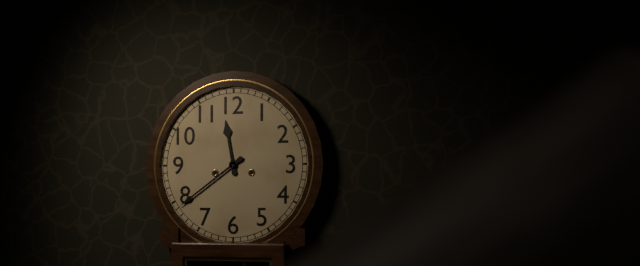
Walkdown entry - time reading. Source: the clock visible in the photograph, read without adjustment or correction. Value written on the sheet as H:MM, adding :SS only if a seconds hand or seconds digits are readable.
11:39
